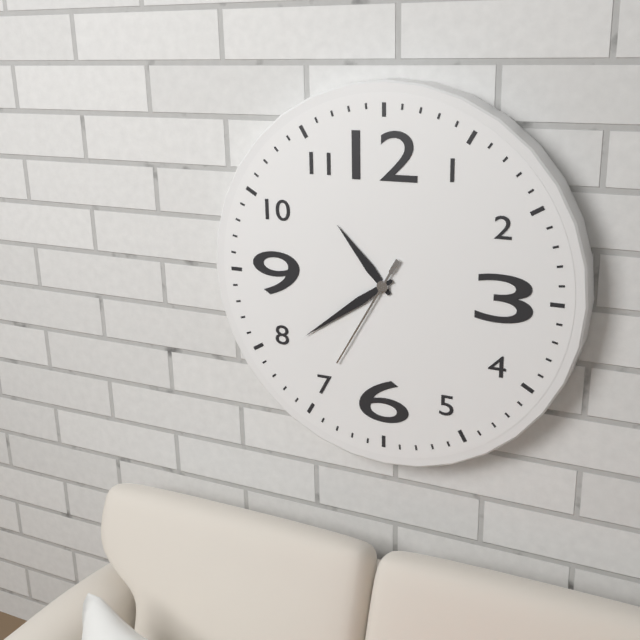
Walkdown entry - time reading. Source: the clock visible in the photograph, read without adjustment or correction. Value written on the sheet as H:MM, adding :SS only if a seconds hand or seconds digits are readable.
10:39:35
